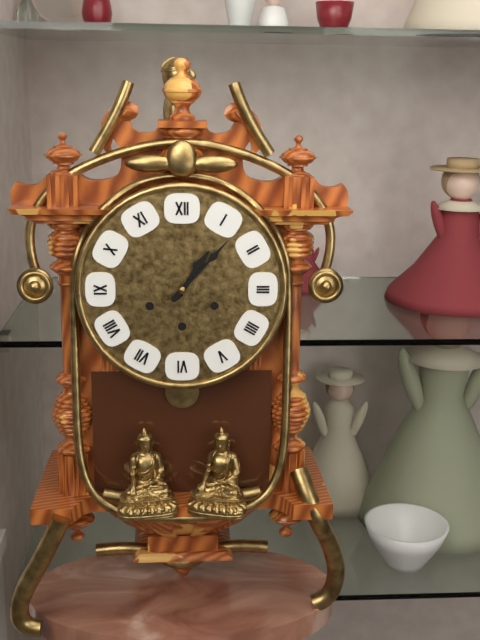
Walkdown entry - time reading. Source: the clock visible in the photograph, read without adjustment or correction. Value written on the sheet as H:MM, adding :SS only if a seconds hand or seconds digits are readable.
1:07
